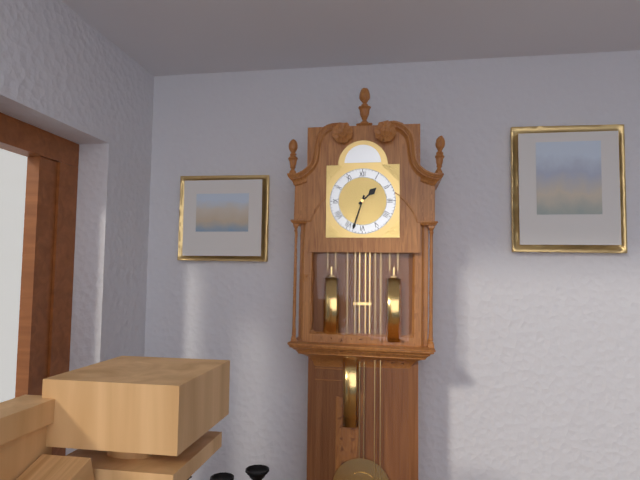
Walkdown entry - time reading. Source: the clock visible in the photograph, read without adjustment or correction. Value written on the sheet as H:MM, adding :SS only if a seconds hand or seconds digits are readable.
1:33
